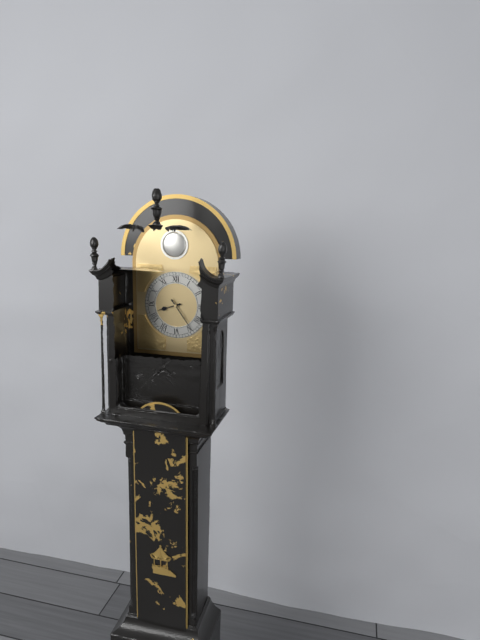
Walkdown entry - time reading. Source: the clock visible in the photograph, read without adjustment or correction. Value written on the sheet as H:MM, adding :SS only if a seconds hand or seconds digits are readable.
8:24
